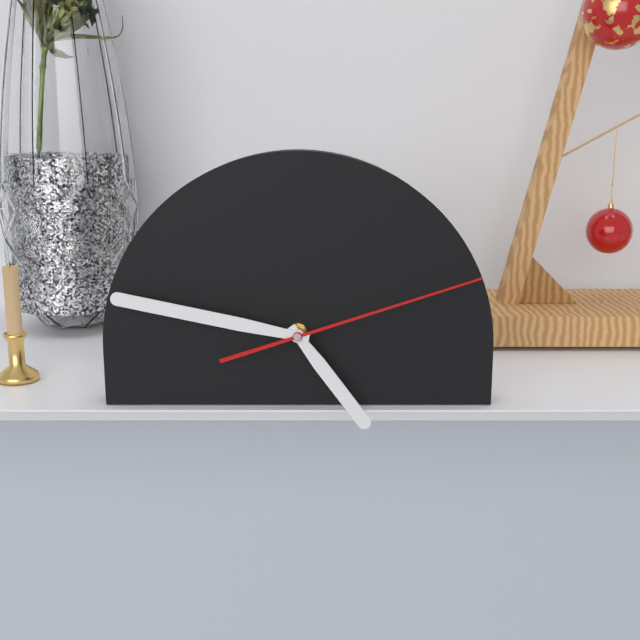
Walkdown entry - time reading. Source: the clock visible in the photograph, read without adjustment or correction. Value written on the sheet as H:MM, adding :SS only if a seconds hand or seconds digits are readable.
4:47:12
